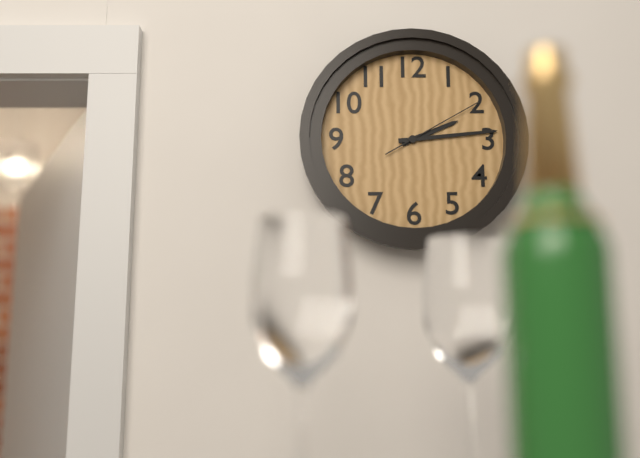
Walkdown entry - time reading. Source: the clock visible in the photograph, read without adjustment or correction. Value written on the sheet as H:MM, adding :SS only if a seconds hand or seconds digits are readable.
2:14:10
